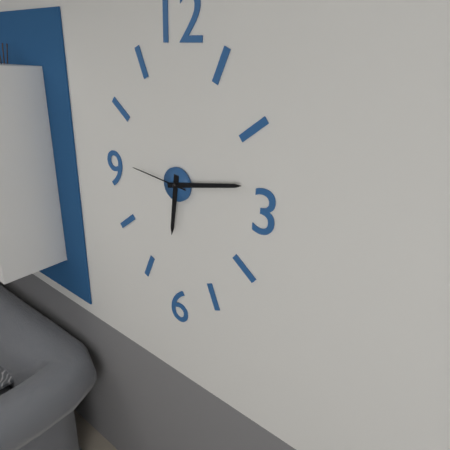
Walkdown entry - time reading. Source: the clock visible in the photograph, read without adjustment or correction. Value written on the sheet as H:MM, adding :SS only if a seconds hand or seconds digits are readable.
6:13:46
